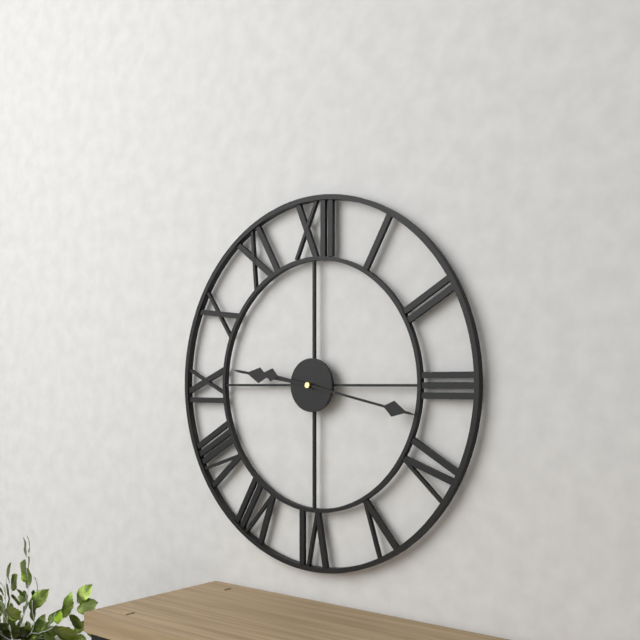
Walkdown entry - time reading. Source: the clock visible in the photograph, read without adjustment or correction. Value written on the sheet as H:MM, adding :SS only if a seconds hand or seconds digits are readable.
9:17
